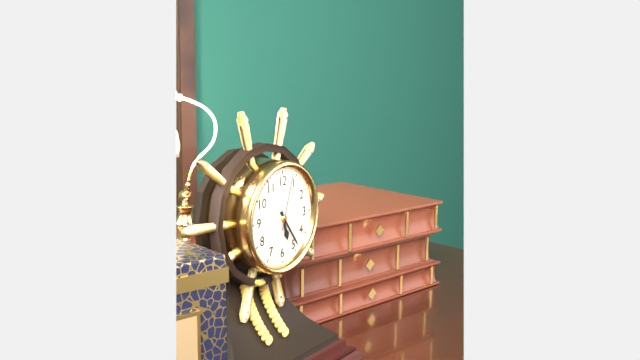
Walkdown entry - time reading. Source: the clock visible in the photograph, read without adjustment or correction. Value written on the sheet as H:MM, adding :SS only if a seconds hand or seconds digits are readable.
5:24:03
